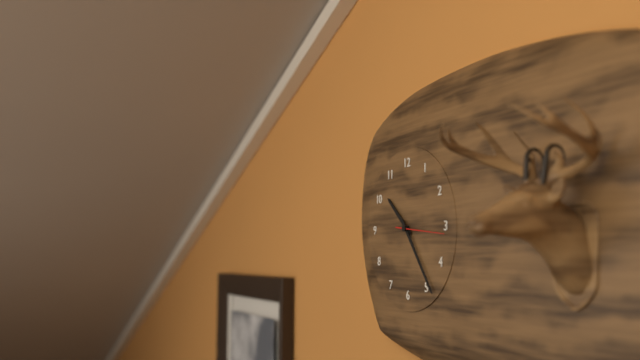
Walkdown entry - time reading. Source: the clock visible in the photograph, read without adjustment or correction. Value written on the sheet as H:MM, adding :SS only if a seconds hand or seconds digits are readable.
10:24
